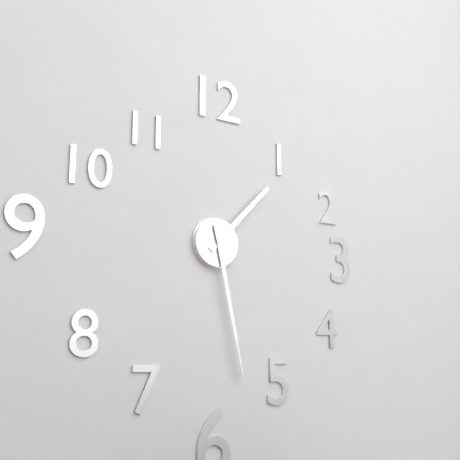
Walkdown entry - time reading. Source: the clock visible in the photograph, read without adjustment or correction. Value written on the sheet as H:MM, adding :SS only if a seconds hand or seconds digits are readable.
1:28
